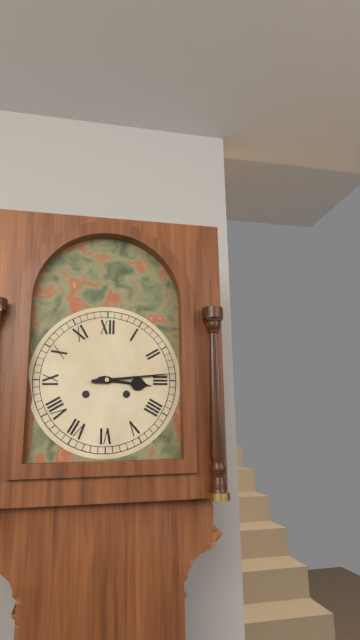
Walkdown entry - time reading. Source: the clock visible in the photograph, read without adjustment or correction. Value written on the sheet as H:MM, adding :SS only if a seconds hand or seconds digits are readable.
3:14
